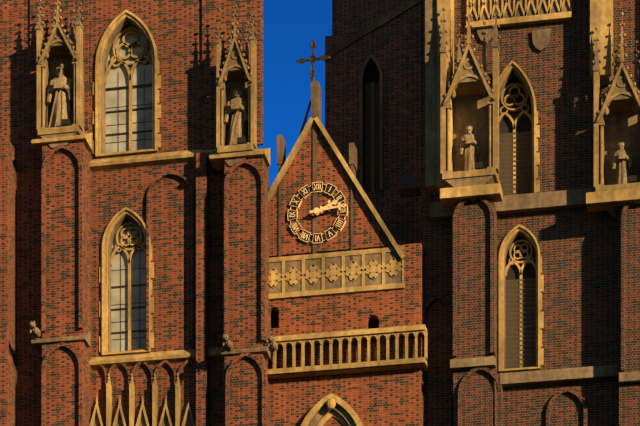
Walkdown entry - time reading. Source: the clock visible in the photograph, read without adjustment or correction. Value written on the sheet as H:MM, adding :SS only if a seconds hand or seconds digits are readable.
2:14
